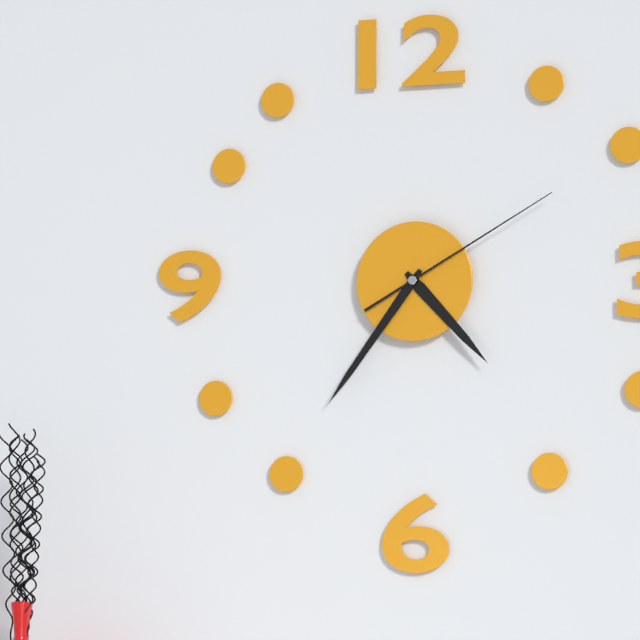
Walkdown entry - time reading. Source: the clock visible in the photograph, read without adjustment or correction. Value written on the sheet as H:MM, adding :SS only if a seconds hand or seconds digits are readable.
4:36:10
